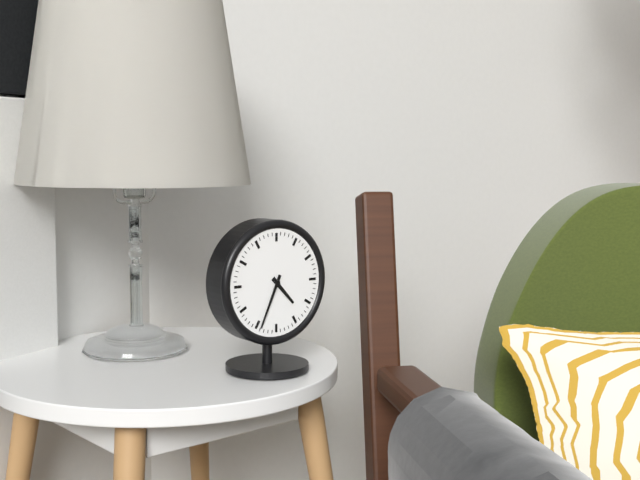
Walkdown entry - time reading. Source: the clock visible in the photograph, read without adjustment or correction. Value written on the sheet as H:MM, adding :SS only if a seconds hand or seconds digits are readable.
4:34
